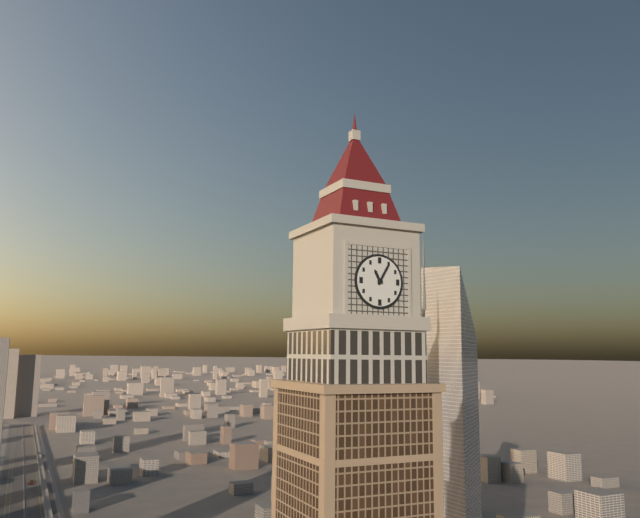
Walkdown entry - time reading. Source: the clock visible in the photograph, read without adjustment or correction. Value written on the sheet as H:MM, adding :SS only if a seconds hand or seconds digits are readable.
11:05
